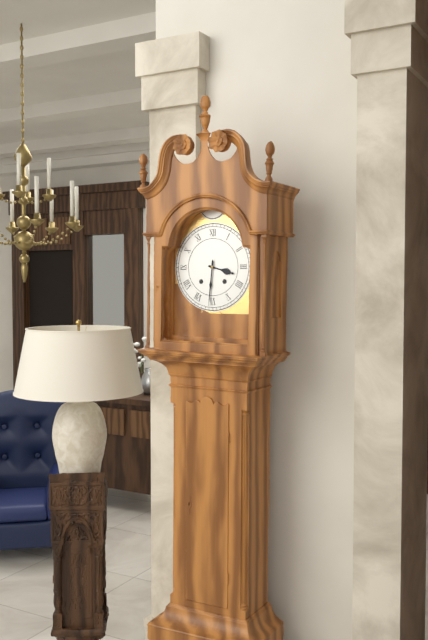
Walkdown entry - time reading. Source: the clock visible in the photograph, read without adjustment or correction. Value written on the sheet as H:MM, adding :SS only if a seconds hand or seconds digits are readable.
3:31
